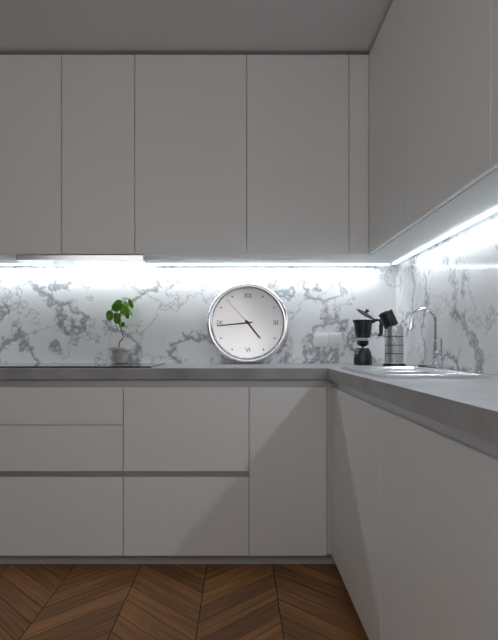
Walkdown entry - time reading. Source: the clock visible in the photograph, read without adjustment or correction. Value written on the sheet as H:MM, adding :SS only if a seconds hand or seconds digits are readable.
4:44
